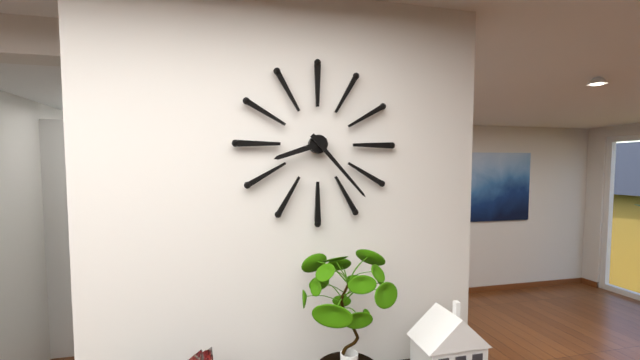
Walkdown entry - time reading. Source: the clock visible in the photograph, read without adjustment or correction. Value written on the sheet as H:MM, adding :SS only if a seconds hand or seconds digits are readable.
8:23
